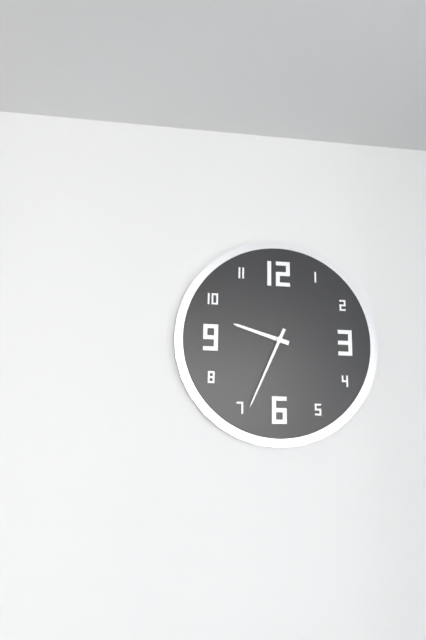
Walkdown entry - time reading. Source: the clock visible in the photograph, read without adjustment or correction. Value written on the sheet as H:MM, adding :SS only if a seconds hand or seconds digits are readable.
9:34
